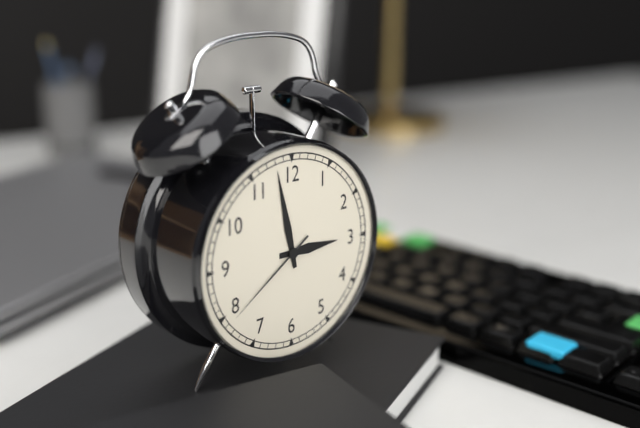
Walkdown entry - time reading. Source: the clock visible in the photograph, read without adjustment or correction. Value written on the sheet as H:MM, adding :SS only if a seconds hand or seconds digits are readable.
2:58:39
